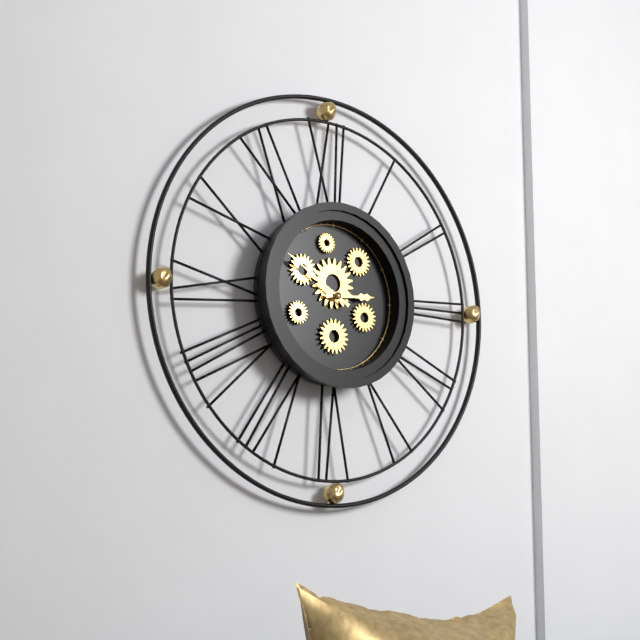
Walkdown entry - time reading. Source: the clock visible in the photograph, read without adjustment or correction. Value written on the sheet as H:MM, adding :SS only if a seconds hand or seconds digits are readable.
2:50
